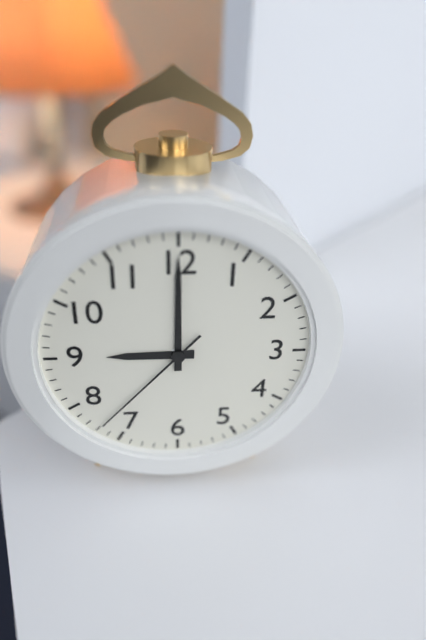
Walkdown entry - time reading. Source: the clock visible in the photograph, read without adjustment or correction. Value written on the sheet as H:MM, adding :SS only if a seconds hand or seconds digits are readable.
9:00:37
